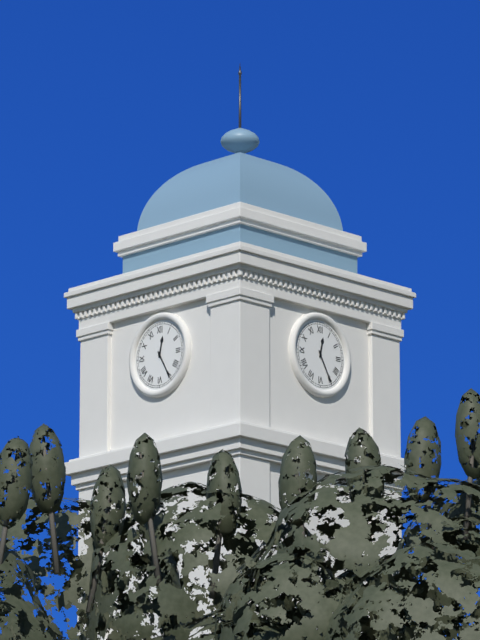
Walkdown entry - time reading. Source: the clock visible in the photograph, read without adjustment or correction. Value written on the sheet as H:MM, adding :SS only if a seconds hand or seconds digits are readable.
12:25
